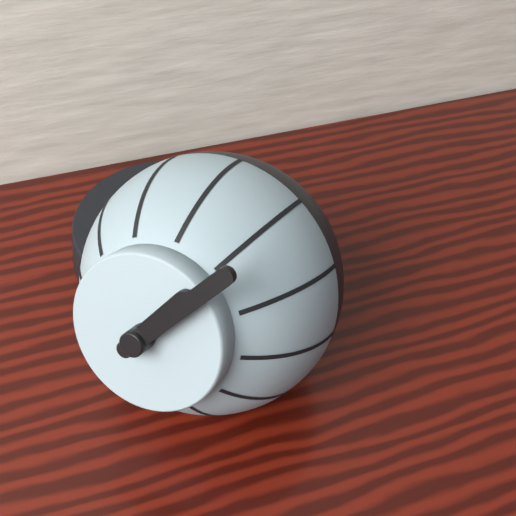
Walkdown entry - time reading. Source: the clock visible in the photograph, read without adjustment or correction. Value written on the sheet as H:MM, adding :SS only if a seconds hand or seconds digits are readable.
1:06
